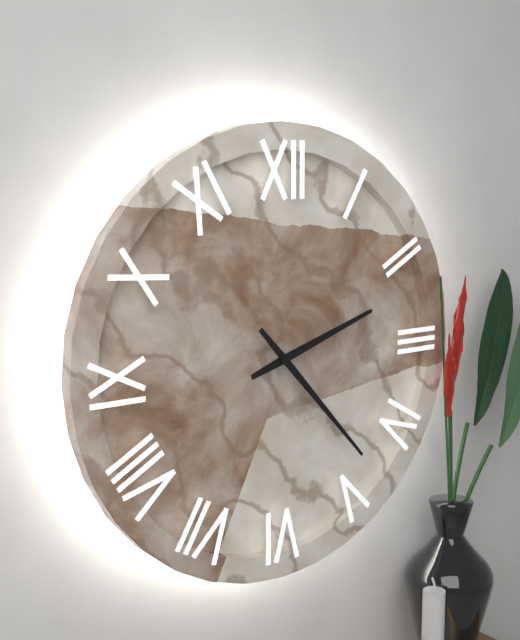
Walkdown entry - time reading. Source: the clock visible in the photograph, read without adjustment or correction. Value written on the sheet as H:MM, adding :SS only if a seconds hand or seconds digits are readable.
2:23
